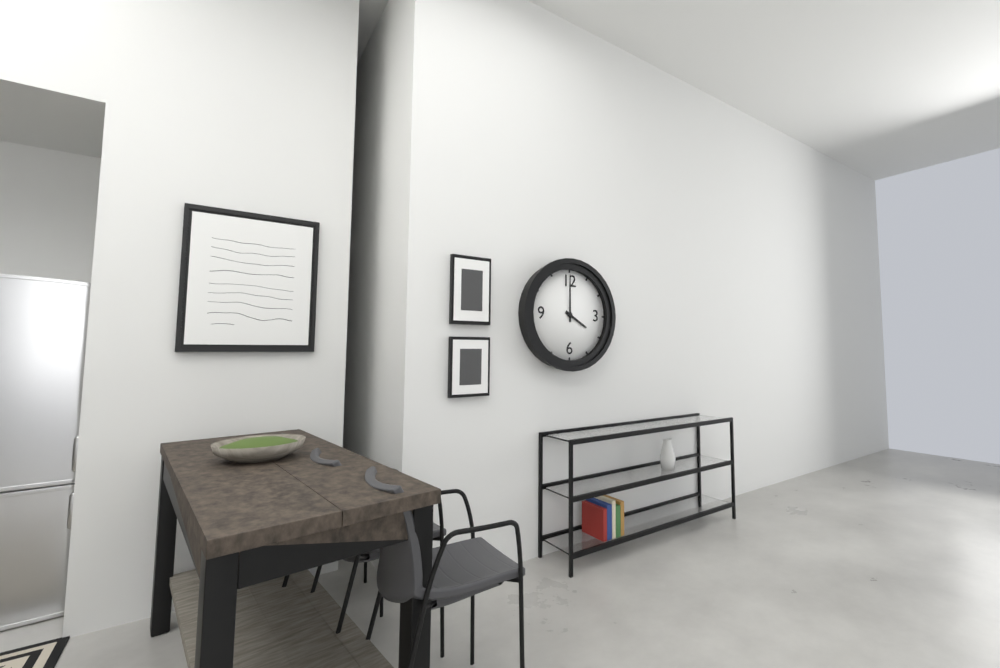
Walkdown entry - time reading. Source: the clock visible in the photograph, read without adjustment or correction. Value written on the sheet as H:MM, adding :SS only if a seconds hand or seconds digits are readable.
4:00
